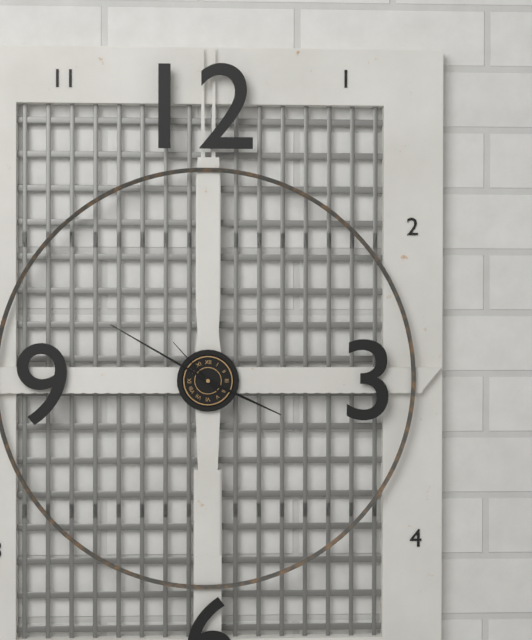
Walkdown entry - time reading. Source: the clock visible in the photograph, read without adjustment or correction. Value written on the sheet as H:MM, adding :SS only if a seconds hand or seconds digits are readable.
3:50:53
